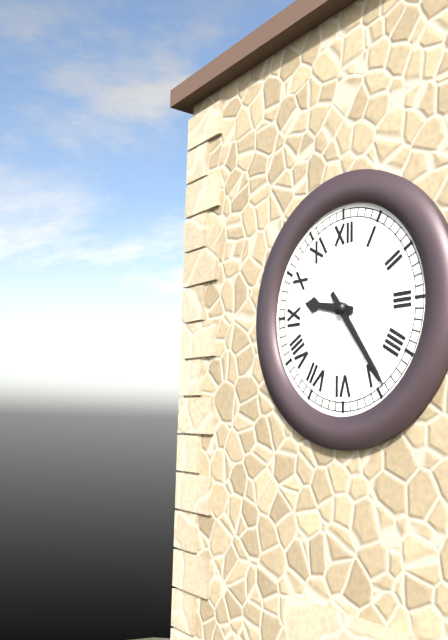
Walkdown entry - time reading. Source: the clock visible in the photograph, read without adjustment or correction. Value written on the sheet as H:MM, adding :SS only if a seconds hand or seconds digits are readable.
9:24
